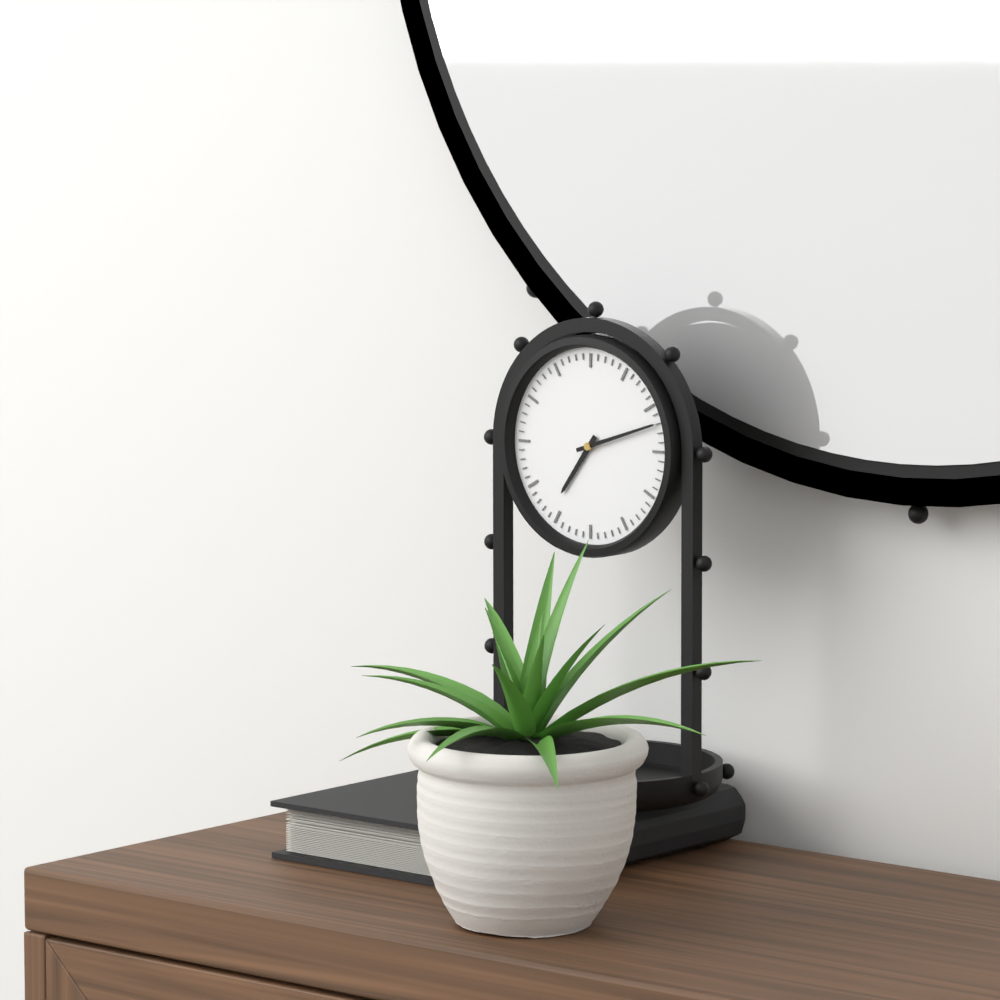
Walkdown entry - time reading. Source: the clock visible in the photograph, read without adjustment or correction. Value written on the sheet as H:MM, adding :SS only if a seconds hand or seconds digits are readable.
7:12
